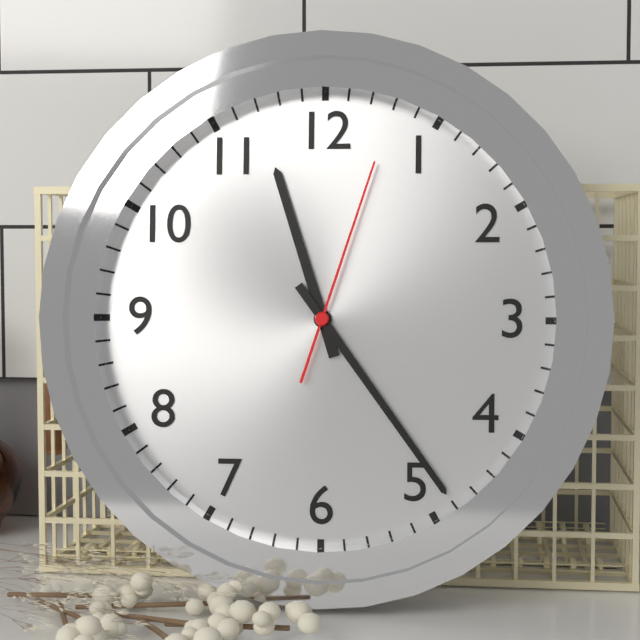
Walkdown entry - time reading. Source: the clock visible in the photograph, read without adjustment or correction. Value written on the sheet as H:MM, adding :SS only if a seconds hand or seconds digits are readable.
11:24:03
